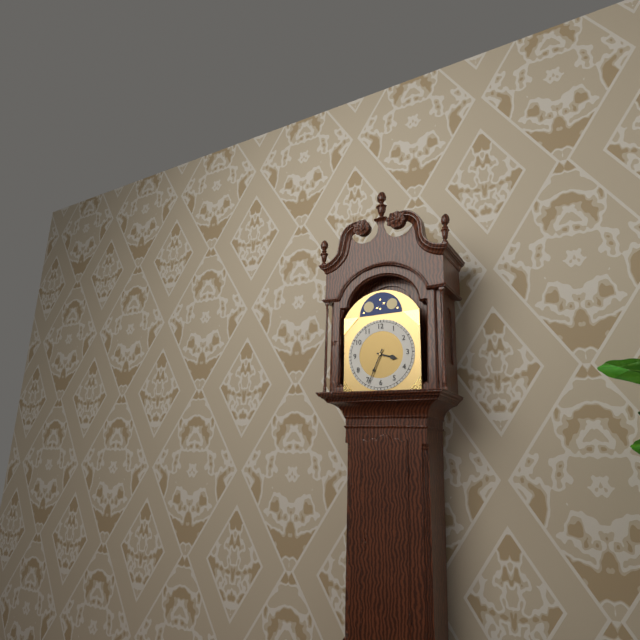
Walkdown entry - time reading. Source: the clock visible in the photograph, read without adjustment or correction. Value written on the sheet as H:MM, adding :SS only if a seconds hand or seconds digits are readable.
3:34
